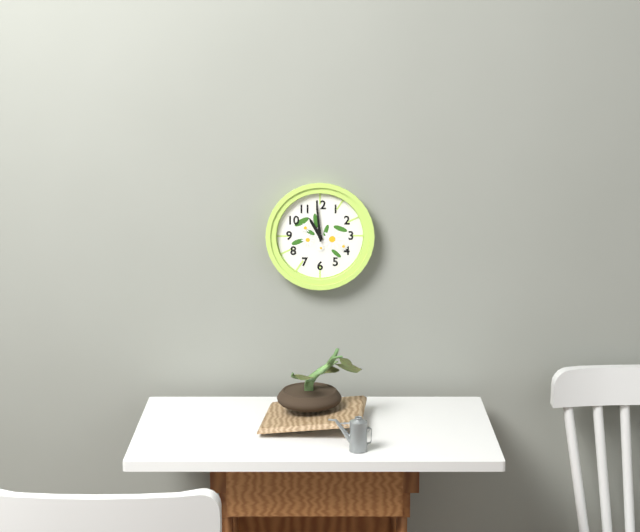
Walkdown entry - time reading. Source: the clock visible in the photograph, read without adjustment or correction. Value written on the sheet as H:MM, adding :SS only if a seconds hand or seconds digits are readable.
10:59
